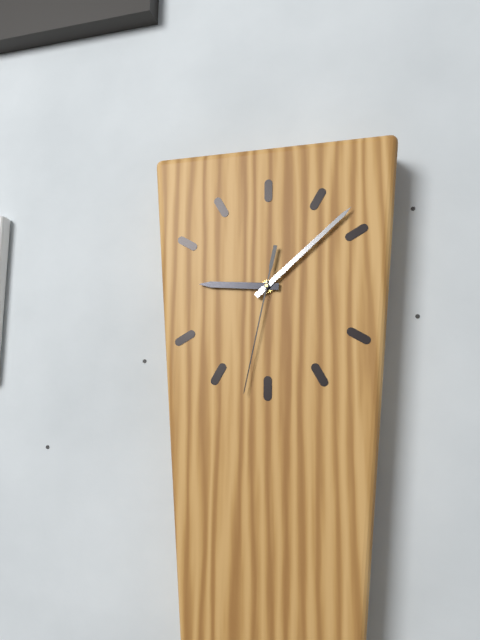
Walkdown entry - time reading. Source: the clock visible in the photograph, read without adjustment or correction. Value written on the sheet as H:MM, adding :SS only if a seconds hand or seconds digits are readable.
9:08:32
